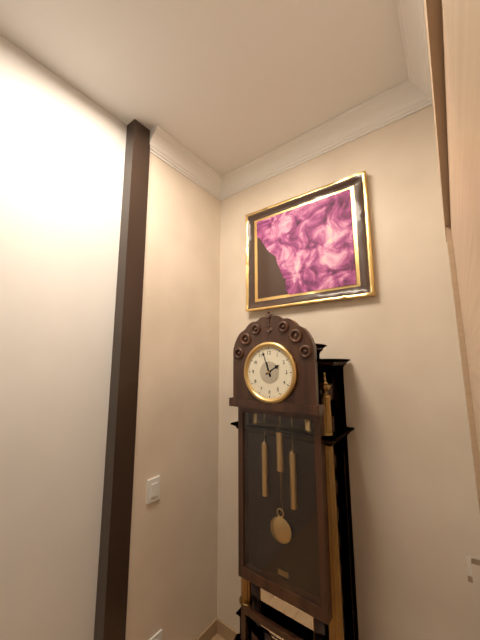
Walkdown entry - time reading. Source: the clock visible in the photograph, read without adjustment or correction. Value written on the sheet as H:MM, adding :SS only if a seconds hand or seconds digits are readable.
1:57
